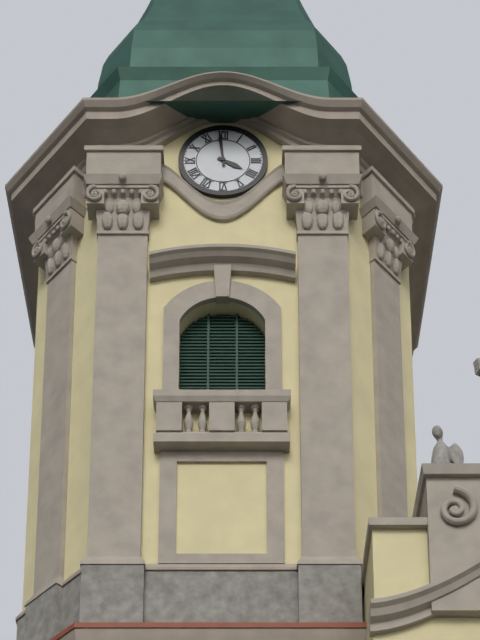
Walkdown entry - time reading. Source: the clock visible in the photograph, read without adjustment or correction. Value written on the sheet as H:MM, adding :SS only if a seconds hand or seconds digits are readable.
3:59
